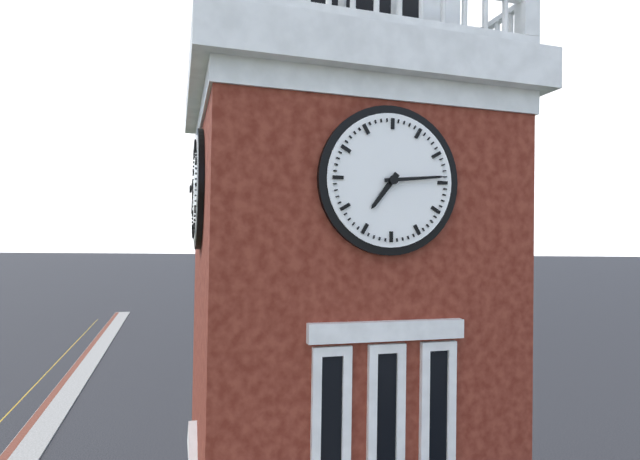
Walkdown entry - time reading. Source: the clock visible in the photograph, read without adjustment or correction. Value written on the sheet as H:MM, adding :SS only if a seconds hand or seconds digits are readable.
7:14
